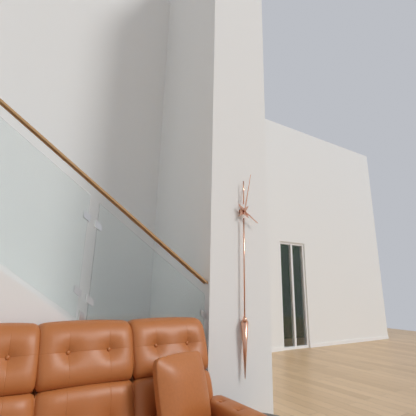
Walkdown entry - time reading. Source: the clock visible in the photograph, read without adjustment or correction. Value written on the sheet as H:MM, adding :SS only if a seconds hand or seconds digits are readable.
4:02
